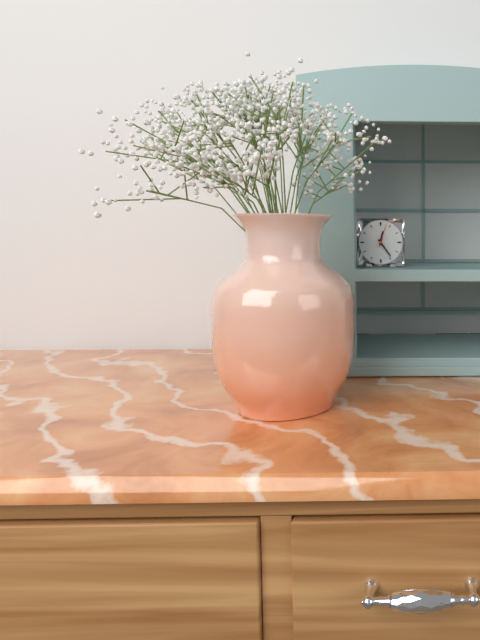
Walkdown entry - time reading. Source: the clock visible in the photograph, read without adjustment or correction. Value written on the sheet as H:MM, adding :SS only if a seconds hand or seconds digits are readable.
12:24
